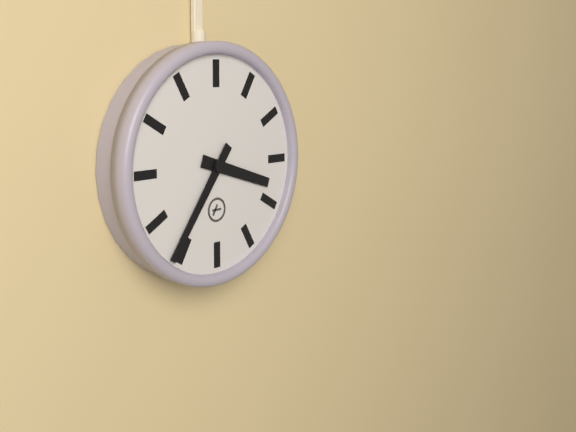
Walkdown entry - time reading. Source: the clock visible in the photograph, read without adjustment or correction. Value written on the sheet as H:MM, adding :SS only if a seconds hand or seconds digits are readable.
3:36
